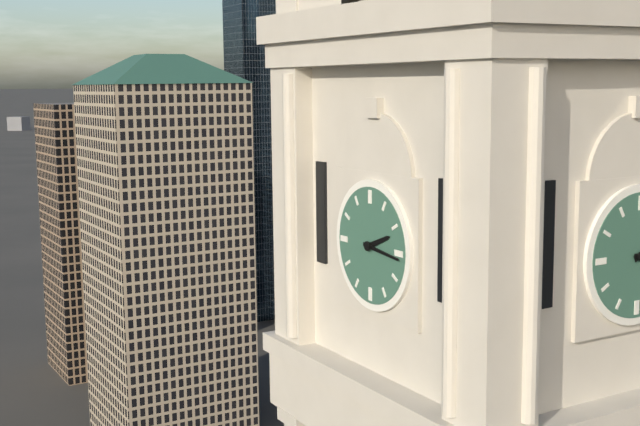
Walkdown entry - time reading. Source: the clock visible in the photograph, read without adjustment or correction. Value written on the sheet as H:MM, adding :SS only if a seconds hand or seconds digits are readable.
2:16
